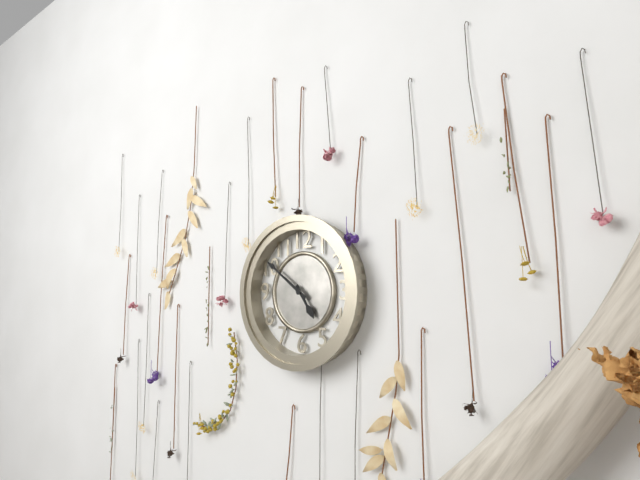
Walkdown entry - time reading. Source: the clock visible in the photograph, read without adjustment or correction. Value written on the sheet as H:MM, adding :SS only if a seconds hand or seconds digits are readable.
4:51
